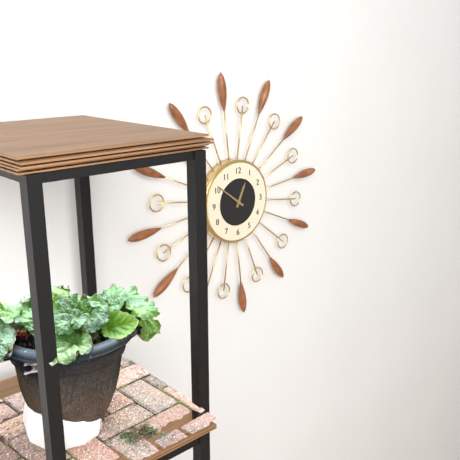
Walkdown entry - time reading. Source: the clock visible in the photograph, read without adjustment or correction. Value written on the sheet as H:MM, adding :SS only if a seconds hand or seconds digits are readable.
12:51
